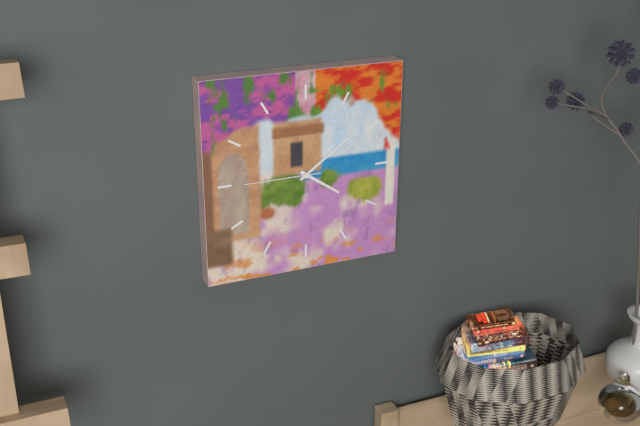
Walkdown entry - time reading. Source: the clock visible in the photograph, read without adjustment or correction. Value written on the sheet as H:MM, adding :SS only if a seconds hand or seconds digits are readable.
4:09:45
